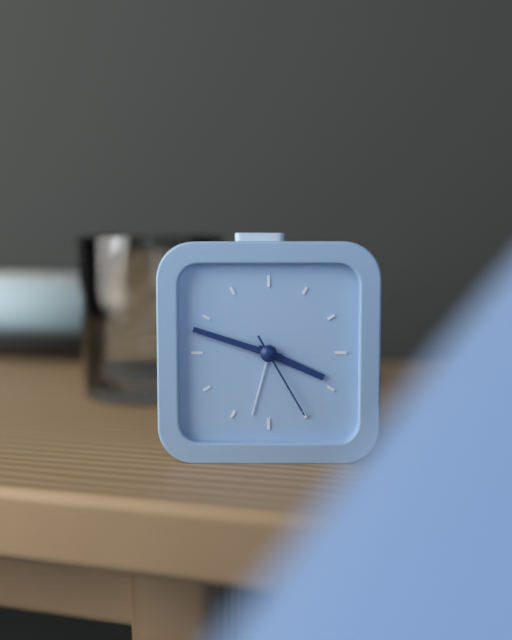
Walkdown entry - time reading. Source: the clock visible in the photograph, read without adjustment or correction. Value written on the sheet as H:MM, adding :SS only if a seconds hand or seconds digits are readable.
3:48:25
